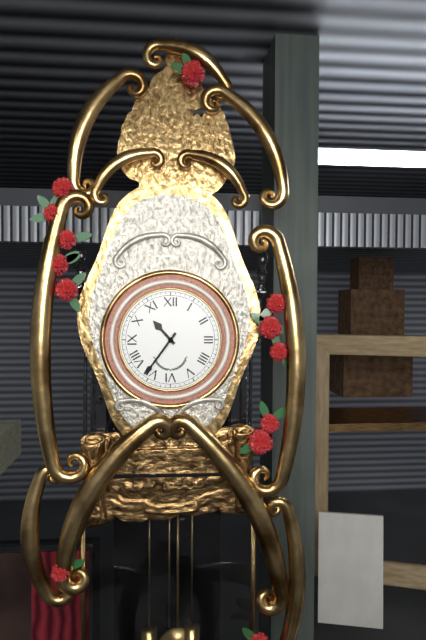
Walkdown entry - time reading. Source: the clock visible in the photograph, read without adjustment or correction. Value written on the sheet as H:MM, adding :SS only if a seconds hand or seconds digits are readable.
10:36
